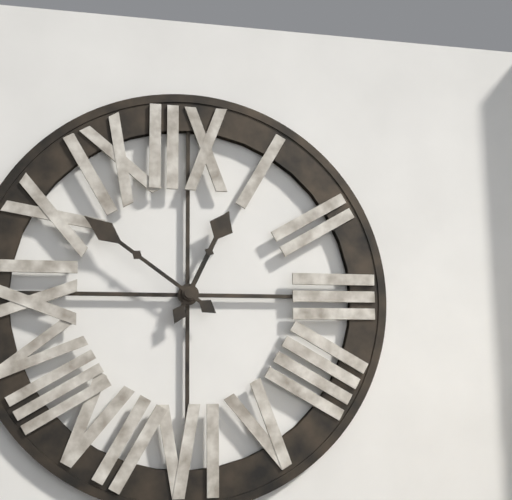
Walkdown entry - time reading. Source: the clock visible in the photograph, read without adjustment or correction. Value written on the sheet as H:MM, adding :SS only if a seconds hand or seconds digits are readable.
12:51
